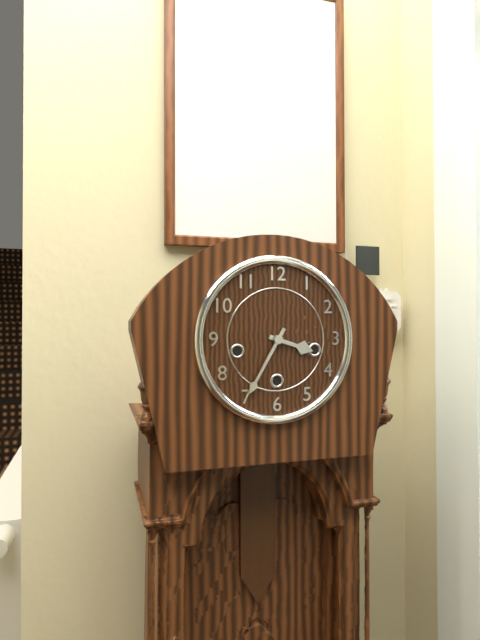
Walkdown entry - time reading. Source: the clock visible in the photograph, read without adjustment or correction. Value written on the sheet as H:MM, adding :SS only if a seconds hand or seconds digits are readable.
3:35
